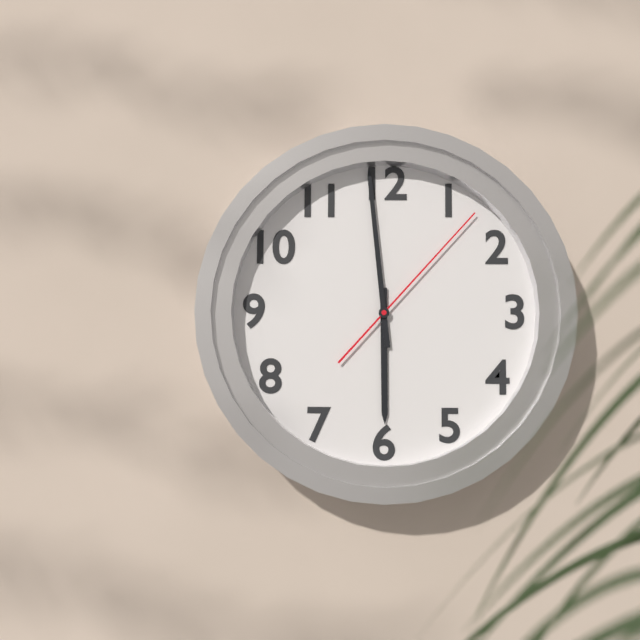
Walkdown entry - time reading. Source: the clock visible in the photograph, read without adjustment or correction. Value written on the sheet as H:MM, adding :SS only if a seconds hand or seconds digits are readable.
5:59:07
